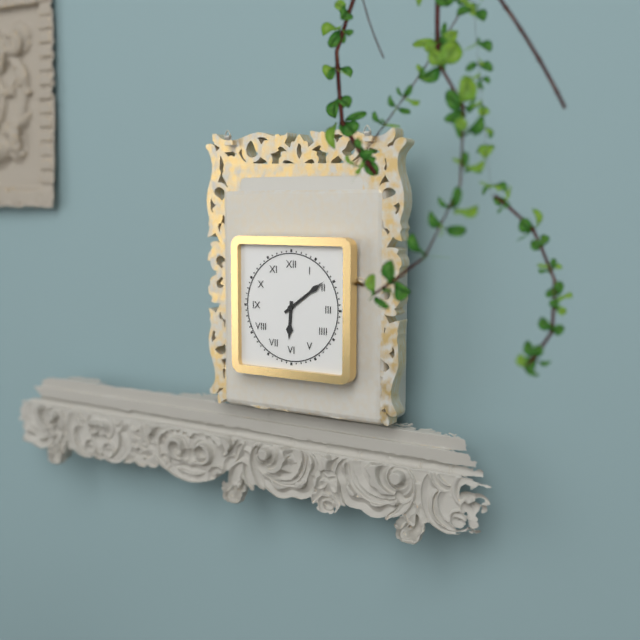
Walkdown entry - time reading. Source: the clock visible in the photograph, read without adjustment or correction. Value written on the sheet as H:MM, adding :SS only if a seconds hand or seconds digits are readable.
6:09
